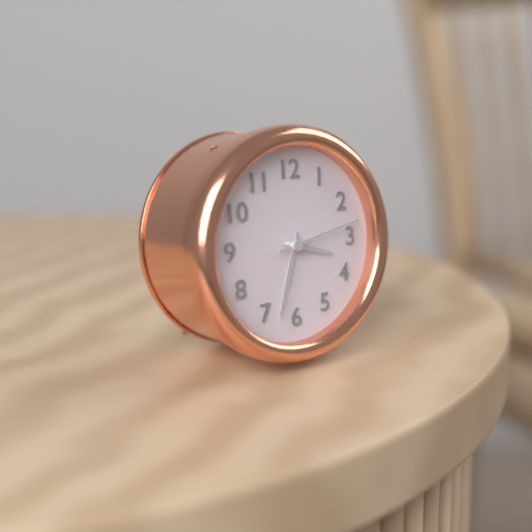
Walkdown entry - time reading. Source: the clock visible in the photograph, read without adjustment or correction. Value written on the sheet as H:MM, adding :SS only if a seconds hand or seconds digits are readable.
3:33:13
